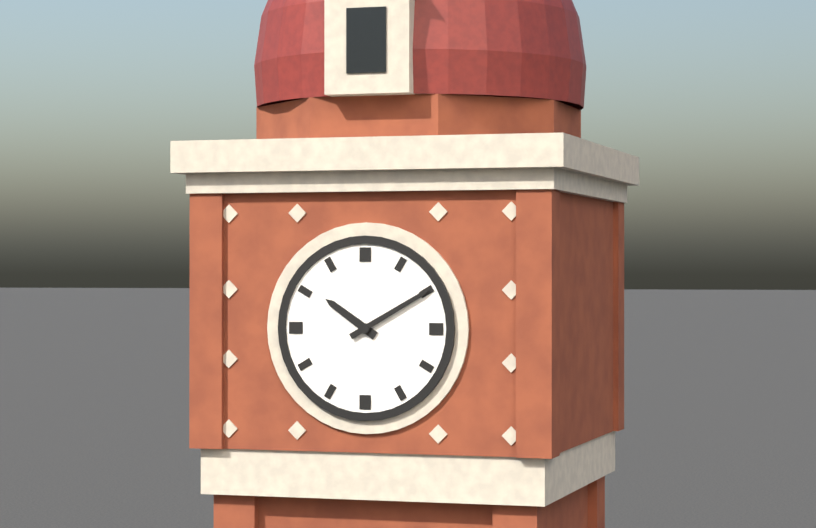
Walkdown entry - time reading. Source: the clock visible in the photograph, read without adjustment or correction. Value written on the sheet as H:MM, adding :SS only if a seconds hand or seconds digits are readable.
10:10
